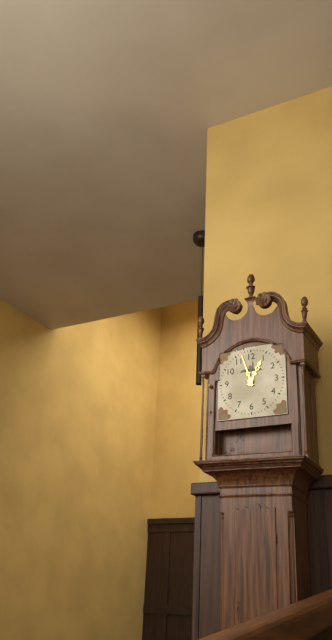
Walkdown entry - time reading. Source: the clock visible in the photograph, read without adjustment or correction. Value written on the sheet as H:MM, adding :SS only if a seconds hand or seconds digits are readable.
12:57
